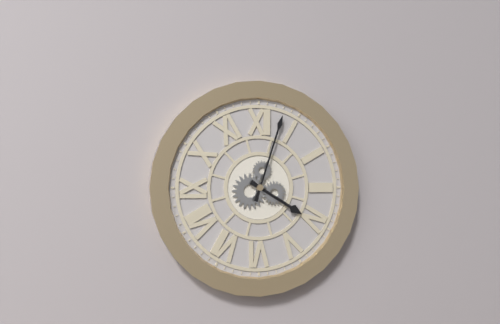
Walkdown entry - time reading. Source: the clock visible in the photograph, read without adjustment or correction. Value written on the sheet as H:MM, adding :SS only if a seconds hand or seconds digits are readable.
4:03
